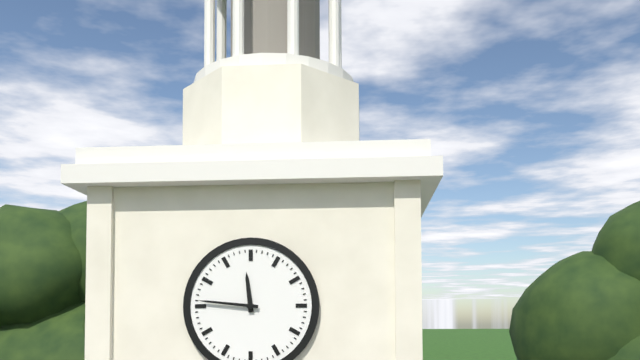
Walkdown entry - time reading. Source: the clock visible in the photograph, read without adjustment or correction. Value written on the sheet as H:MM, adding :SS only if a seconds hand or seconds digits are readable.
11:46
